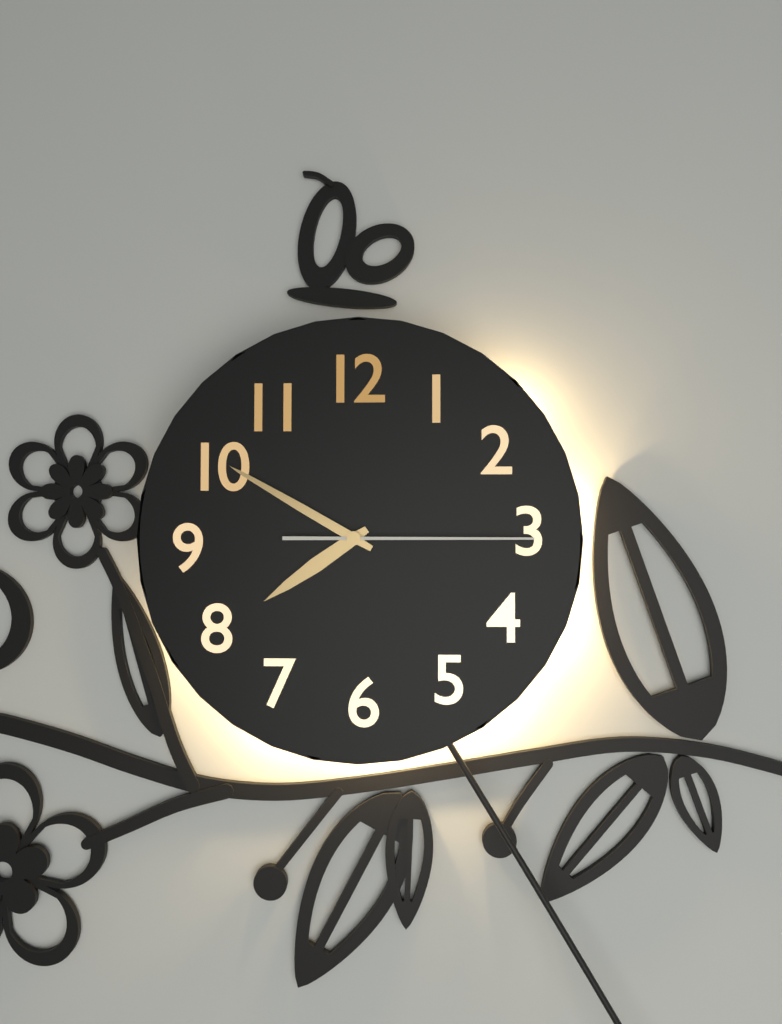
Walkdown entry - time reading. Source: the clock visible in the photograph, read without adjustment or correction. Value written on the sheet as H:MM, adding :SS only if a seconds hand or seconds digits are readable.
7:50:15
